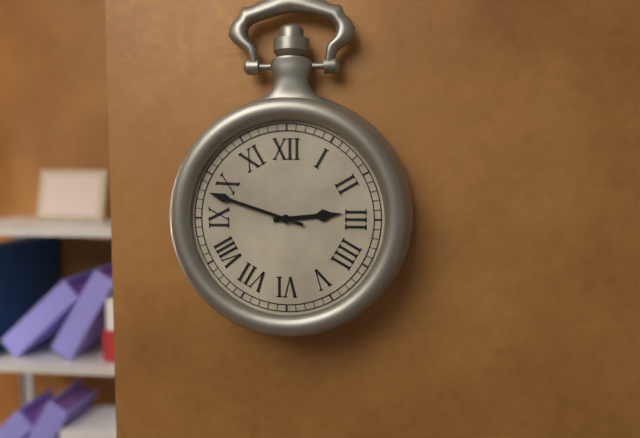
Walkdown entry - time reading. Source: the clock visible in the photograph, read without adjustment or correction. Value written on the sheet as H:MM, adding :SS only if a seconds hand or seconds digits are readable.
2:48
